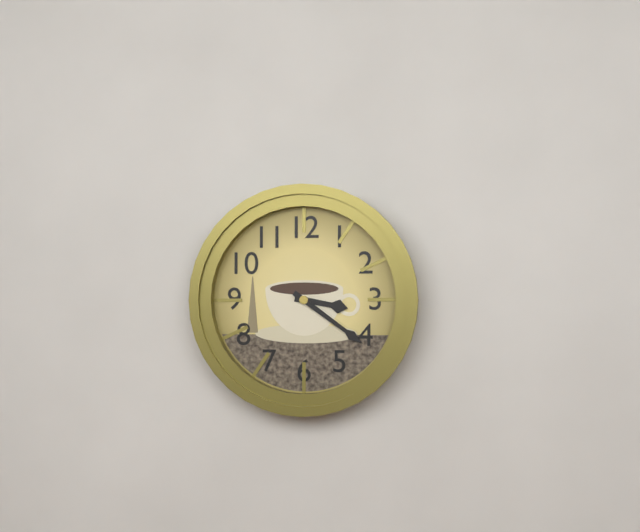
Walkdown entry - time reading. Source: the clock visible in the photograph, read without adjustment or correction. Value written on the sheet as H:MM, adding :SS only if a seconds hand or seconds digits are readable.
3:21
